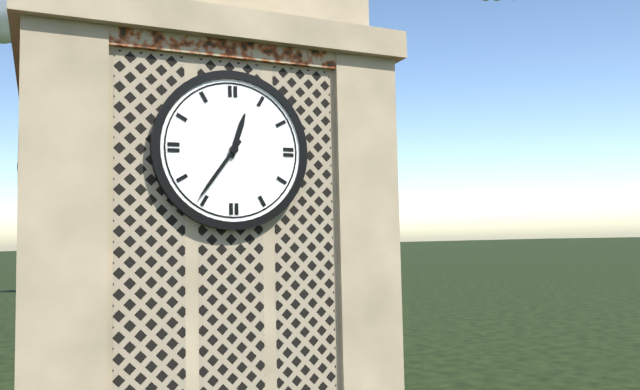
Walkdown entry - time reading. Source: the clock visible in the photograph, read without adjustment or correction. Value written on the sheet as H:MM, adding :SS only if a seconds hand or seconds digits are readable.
12:36
